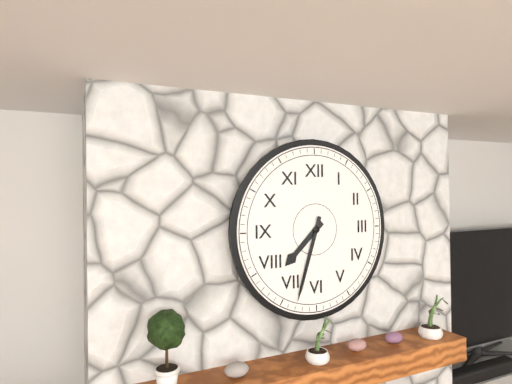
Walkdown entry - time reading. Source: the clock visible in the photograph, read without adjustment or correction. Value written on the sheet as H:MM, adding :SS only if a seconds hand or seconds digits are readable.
7:33
